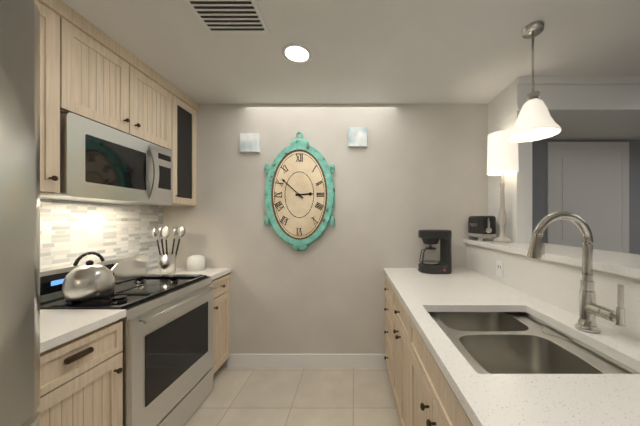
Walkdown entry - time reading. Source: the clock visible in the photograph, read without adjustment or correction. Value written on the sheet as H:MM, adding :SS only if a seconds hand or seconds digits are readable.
2:52
